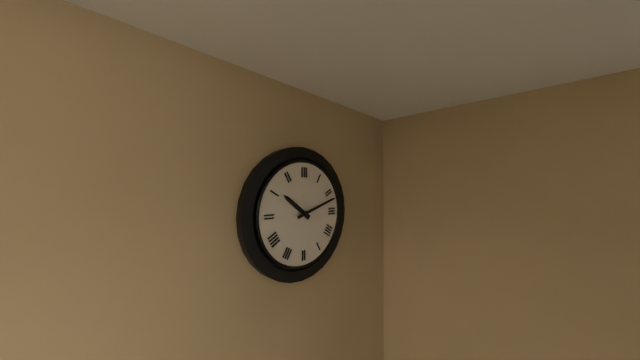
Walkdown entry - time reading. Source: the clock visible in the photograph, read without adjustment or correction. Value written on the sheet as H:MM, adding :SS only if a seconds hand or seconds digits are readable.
10:12
